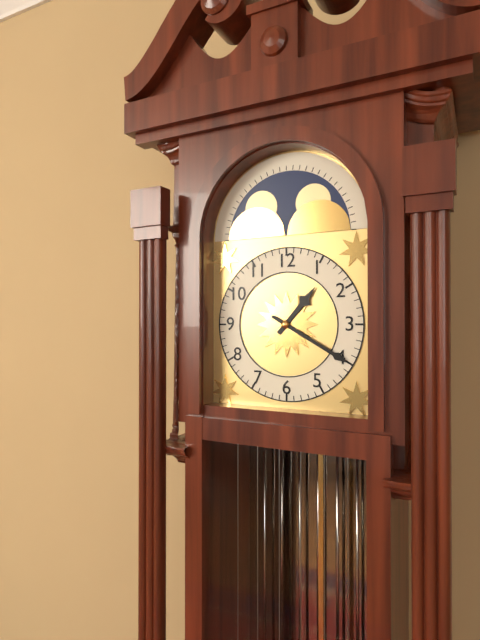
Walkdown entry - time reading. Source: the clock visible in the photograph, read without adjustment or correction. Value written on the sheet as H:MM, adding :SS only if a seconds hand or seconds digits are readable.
1:20
